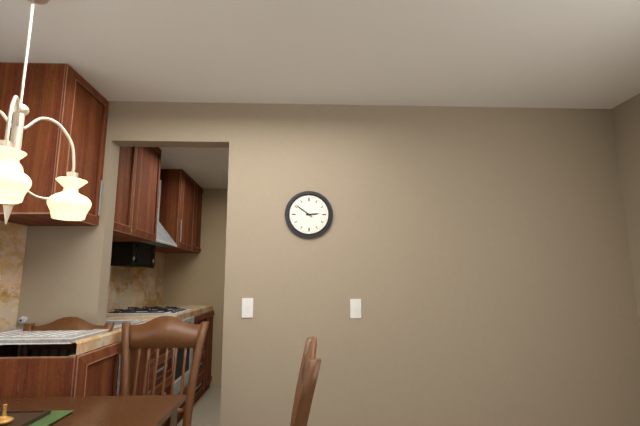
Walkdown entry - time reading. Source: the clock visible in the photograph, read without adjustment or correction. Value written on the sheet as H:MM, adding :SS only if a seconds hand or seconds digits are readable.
2:51
